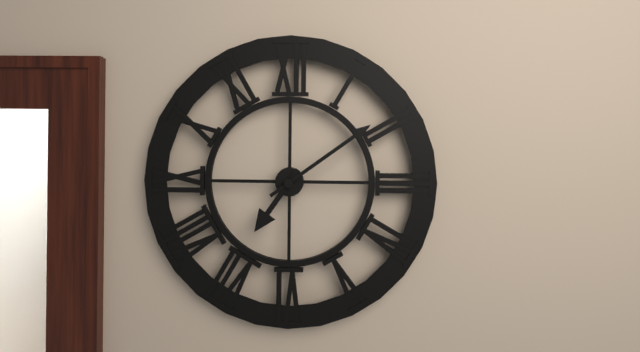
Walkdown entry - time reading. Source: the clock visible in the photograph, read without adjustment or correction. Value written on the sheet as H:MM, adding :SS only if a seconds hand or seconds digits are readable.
7:09
